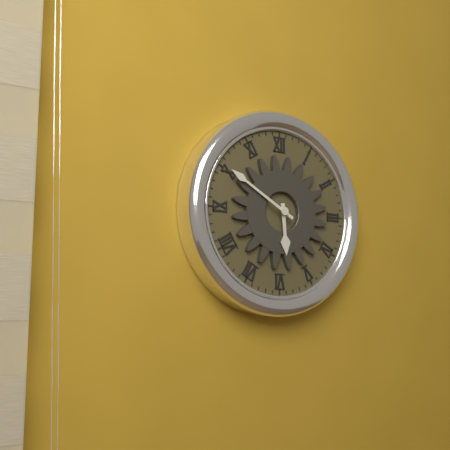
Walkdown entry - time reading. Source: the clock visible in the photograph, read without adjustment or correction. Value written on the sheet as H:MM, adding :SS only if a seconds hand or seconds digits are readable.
5:50
